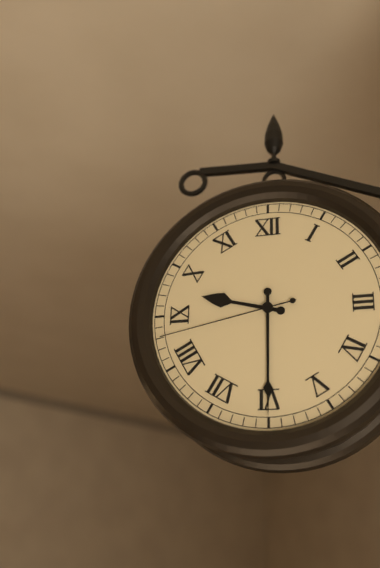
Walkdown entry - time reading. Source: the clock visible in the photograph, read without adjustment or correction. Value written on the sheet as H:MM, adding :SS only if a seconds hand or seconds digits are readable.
9:30:43
